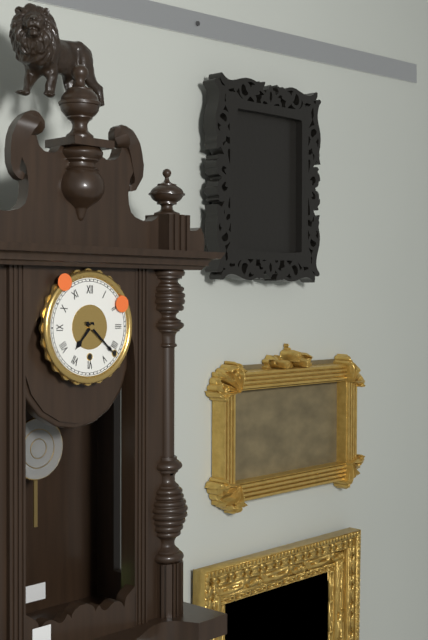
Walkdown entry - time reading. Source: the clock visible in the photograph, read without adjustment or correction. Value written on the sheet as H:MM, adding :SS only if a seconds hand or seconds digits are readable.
7:22
